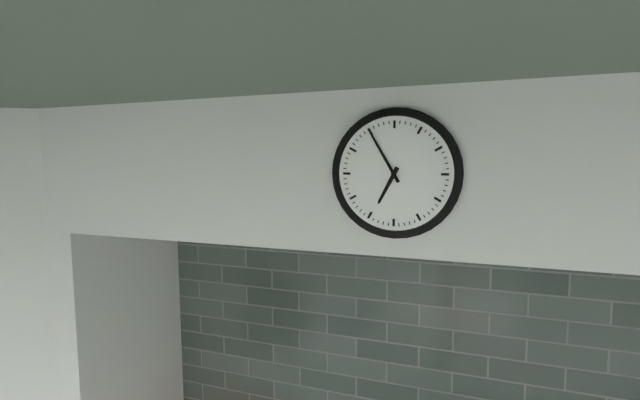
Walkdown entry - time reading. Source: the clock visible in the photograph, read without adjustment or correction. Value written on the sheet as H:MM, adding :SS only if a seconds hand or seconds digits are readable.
6:55
